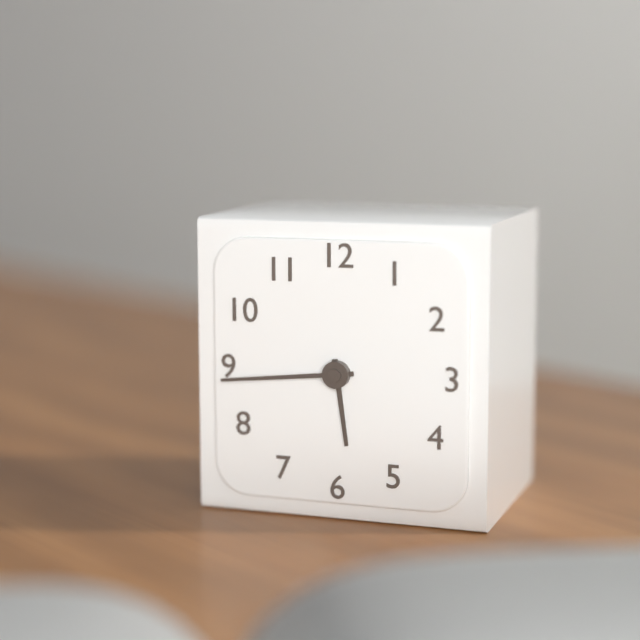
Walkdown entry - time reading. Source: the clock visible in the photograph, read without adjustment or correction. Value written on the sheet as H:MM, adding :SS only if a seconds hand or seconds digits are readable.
5:44
